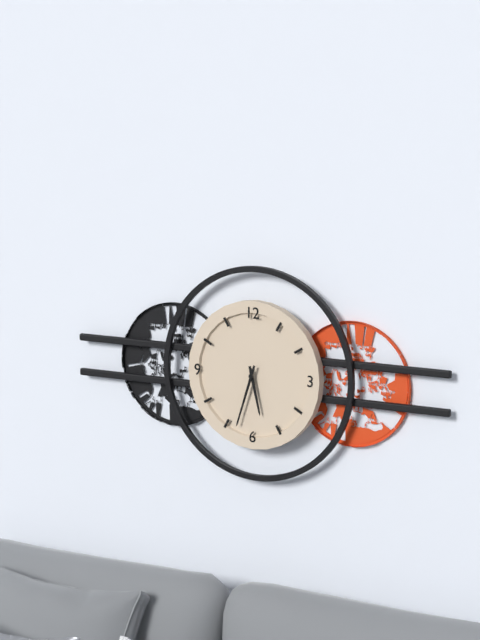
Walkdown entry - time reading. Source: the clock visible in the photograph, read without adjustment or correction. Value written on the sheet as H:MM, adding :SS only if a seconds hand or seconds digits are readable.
5:33
